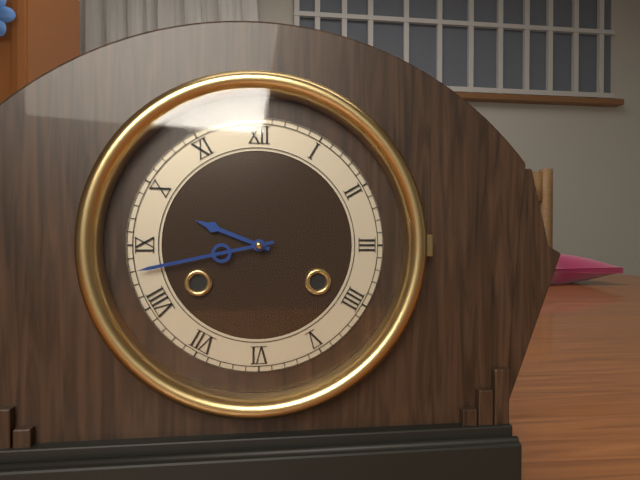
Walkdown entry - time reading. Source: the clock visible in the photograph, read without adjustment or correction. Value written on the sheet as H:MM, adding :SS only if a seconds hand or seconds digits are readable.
9:43
